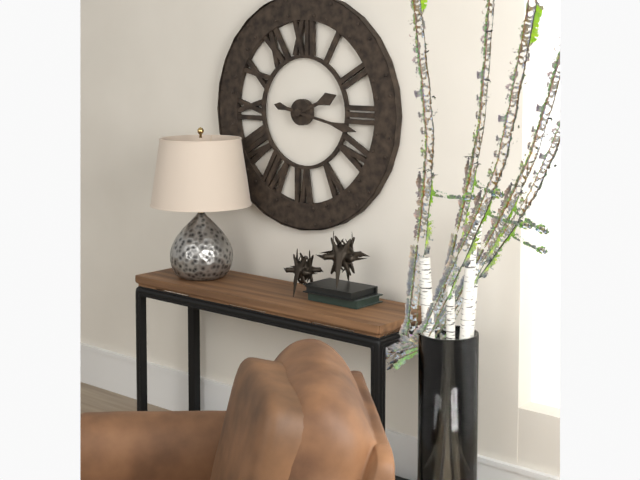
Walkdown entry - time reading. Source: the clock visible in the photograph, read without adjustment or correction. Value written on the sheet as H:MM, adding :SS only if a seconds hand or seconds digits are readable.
2:17
